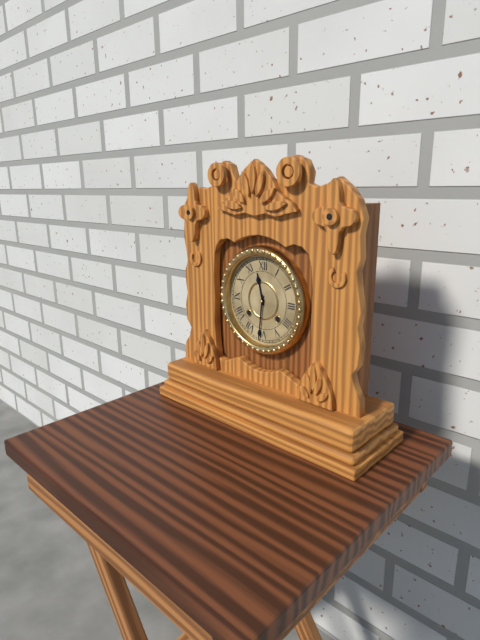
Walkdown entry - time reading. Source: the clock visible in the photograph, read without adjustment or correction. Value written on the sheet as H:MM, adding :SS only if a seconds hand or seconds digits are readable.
11:31
